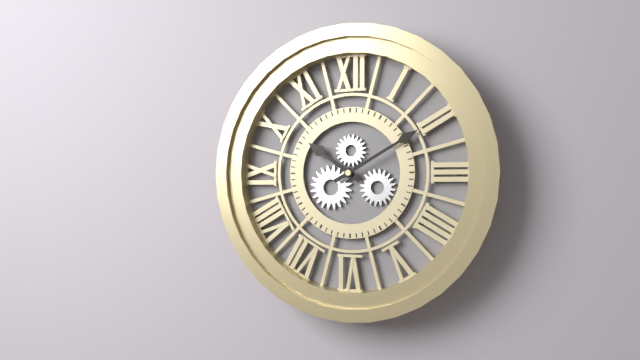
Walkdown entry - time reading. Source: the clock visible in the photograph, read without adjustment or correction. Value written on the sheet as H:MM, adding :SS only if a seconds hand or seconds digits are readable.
10:10
